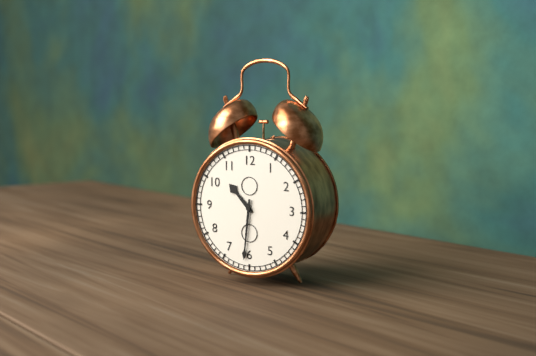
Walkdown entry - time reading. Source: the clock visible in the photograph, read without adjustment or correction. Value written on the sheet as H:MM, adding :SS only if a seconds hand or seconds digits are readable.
10:31
